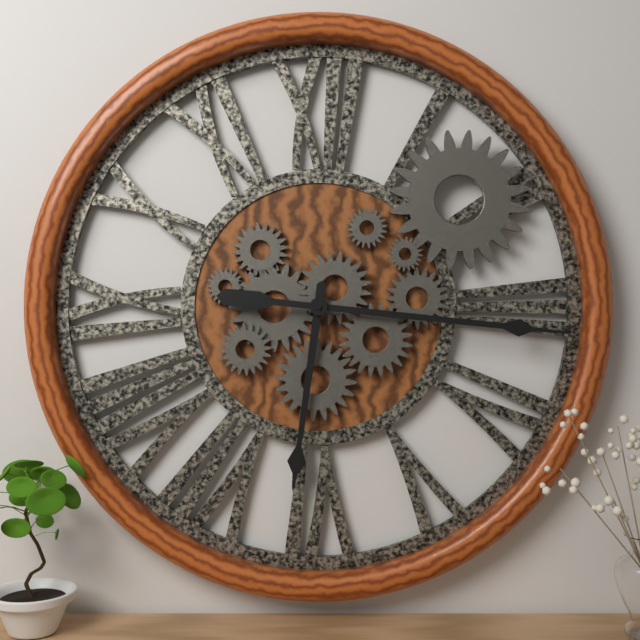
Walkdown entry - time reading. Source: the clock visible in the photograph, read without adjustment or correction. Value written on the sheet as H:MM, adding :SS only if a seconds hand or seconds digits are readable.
6:16
